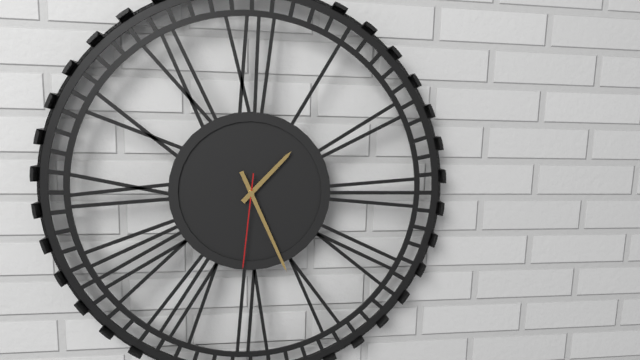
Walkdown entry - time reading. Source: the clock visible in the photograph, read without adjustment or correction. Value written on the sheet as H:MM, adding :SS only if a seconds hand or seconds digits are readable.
1:26:31
